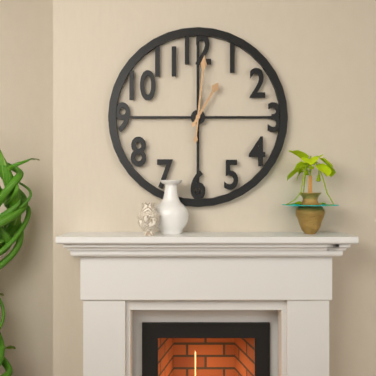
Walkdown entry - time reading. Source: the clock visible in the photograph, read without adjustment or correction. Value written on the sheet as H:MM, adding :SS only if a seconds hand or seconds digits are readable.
1:01
